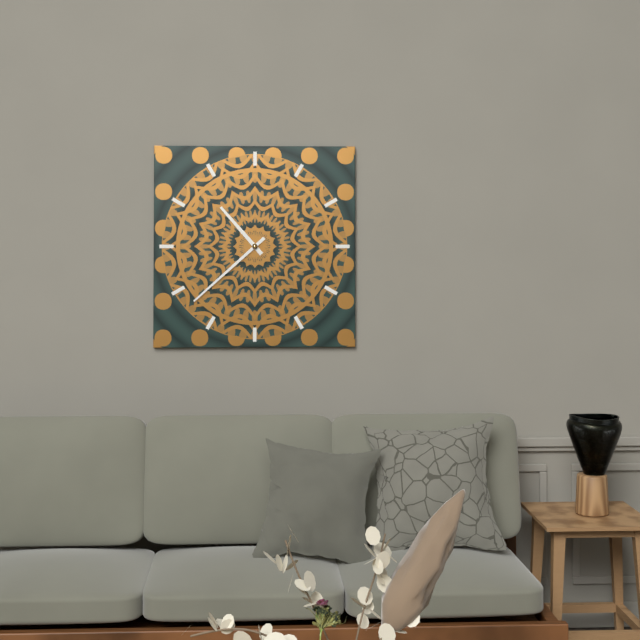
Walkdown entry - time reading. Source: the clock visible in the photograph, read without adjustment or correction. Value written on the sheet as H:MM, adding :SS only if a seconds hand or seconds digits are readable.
10:38
